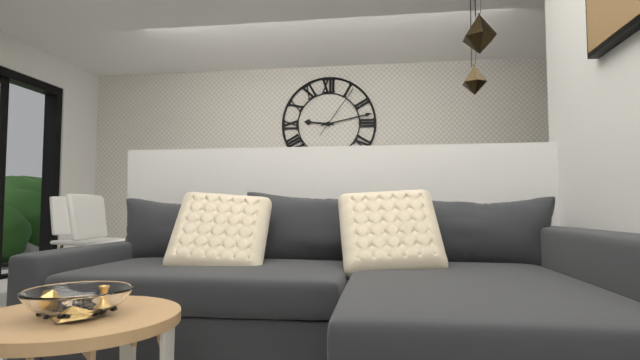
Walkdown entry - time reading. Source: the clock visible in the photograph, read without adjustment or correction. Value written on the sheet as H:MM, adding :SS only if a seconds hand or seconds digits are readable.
9:13:06
